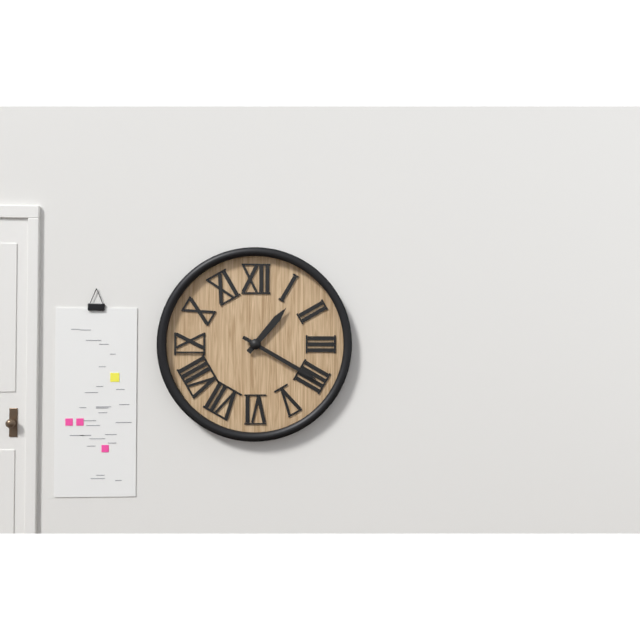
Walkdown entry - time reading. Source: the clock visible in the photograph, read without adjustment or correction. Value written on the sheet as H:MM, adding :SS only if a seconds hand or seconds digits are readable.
1:20
